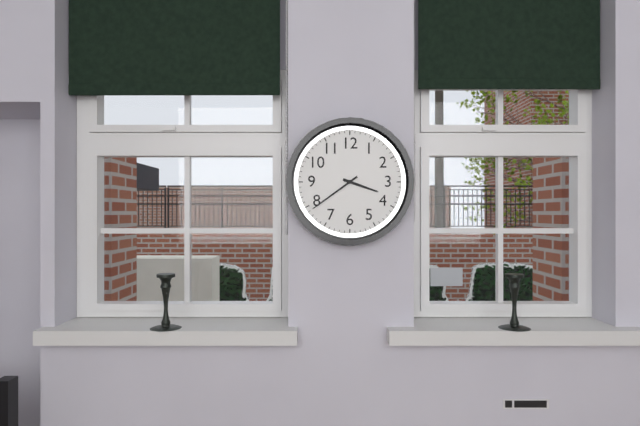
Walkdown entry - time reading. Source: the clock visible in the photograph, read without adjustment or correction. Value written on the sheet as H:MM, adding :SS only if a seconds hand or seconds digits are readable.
3:39
